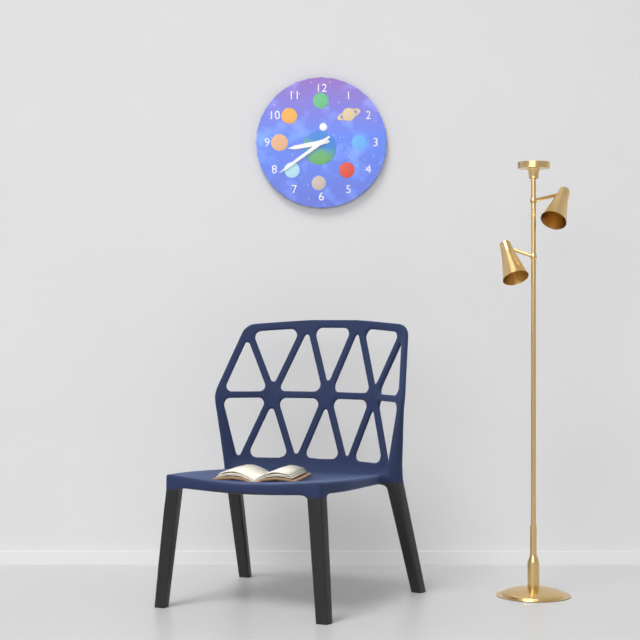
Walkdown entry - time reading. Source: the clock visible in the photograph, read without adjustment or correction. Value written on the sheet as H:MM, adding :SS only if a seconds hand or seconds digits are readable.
8:39
